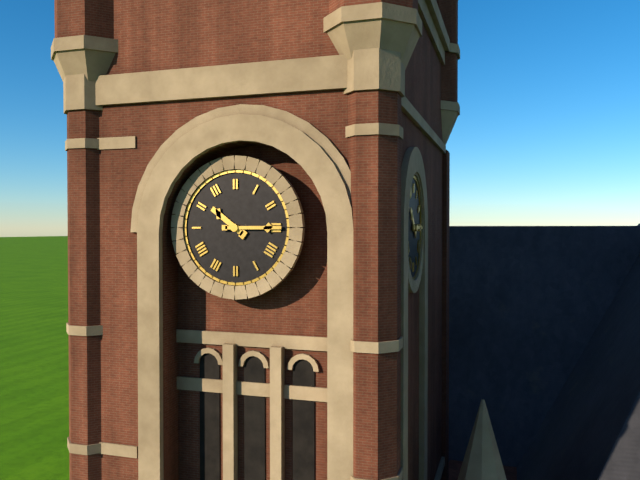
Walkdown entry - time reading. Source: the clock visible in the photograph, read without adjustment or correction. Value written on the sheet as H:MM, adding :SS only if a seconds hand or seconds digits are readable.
10:15
